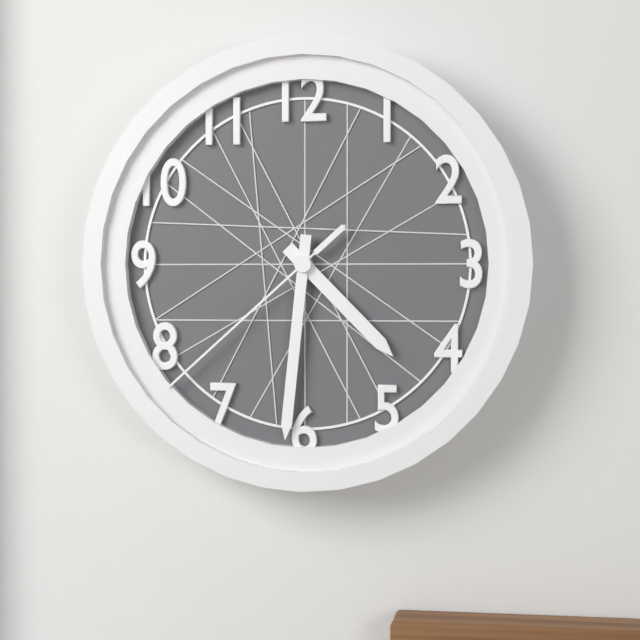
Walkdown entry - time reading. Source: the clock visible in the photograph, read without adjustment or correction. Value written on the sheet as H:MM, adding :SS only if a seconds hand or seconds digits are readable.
4:31:38
